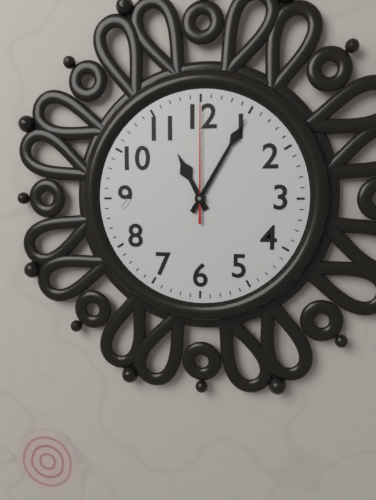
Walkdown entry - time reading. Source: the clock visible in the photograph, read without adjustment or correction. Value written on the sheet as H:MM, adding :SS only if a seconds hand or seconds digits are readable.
11:05:00
